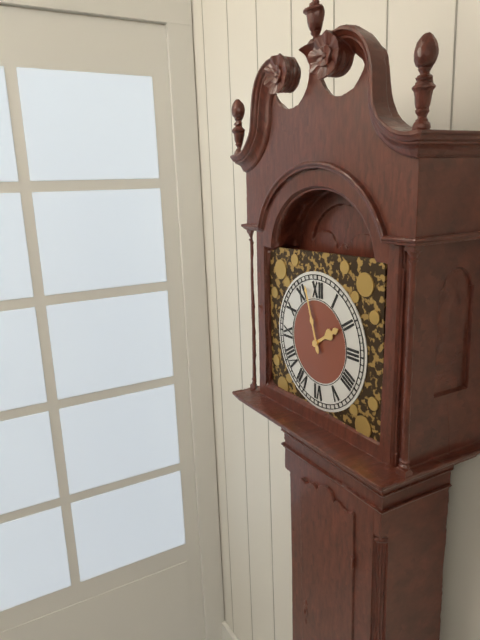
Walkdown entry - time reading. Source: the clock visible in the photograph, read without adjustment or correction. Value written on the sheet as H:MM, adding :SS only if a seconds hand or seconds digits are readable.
1:57
